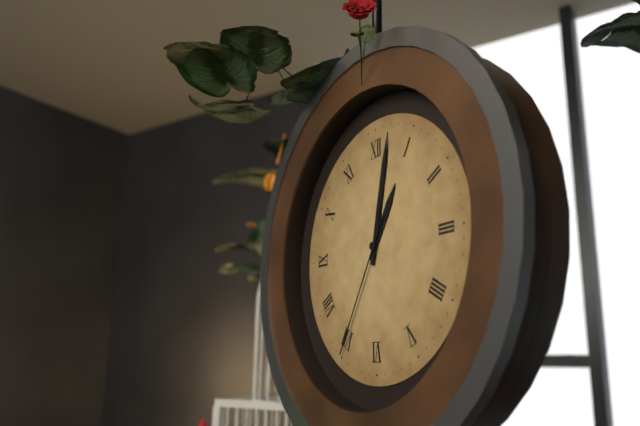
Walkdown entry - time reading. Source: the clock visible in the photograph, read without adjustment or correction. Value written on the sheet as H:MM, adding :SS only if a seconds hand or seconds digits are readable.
1:02:35
